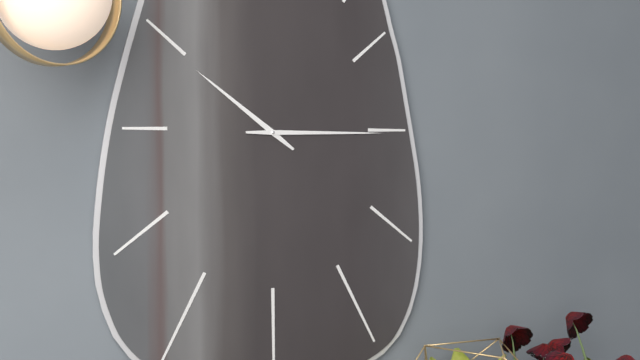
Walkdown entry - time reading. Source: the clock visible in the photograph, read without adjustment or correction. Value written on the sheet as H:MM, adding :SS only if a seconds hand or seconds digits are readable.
10:15
